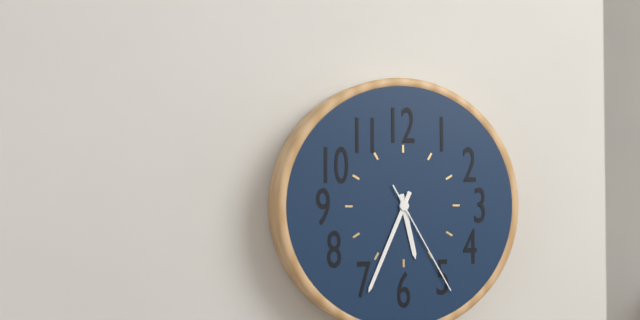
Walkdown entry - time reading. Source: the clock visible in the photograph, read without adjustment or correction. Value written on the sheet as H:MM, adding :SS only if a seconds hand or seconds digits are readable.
5:34:25
